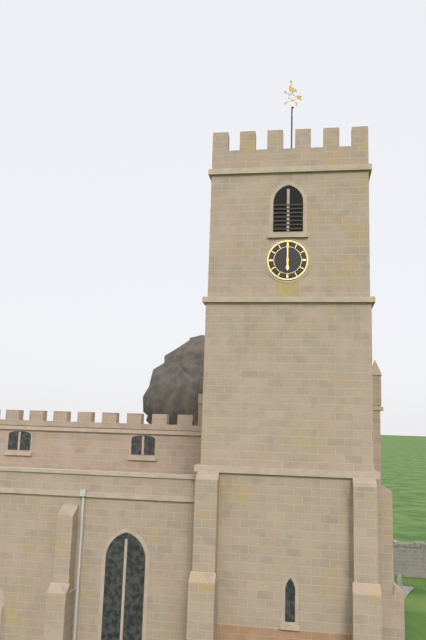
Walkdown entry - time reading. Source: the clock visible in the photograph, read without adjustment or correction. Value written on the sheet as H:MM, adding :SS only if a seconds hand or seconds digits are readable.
6:00
